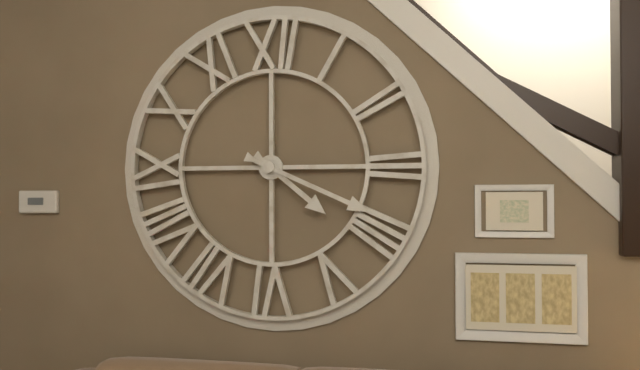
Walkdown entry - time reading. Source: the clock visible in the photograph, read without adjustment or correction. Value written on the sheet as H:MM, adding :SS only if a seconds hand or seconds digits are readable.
4:19
